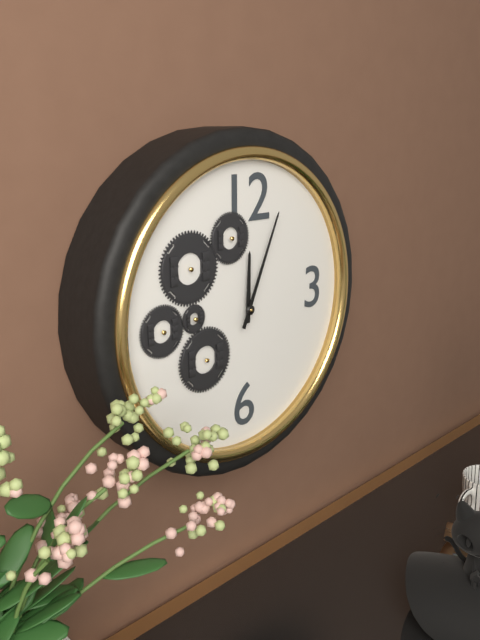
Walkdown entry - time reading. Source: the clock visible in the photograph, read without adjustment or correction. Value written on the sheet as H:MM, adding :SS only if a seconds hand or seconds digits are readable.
12:04
